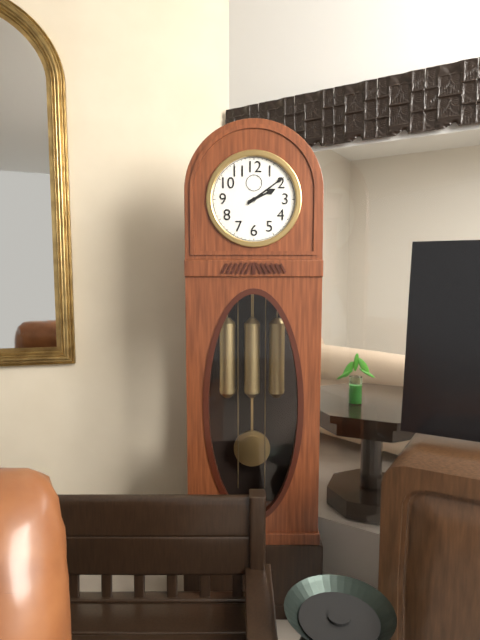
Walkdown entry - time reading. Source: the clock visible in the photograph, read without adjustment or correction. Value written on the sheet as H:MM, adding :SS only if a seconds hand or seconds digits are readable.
2:09
